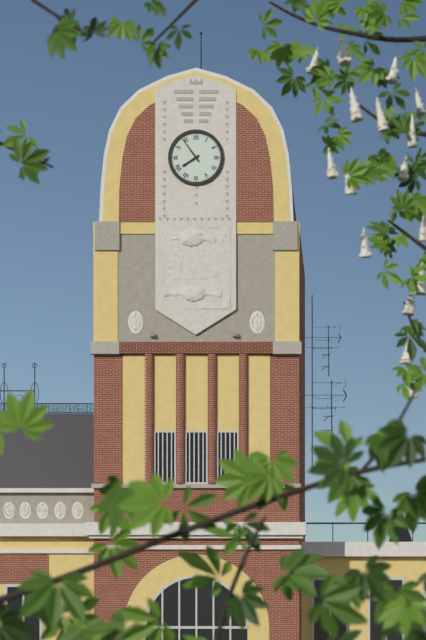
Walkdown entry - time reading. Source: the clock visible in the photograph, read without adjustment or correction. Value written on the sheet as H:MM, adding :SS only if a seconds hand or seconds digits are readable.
7:54
